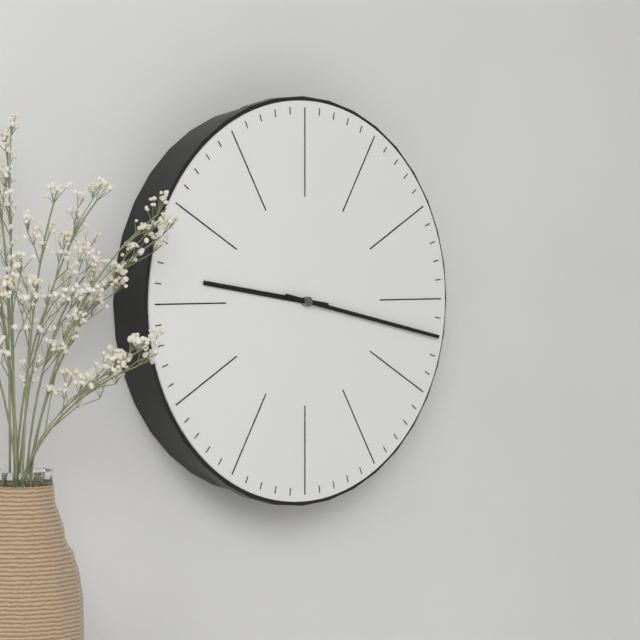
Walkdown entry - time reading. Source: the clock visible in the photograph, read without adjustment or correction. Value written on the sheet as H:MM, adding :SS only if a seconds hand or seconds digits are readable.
9:17
